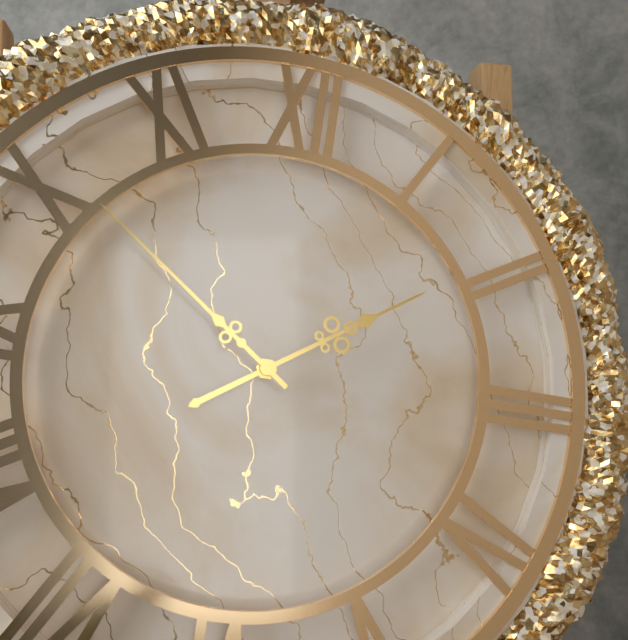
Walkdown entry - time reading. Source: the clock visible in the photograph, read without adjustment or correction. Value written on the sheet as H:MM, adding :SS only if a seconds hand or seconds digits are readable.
1:51
